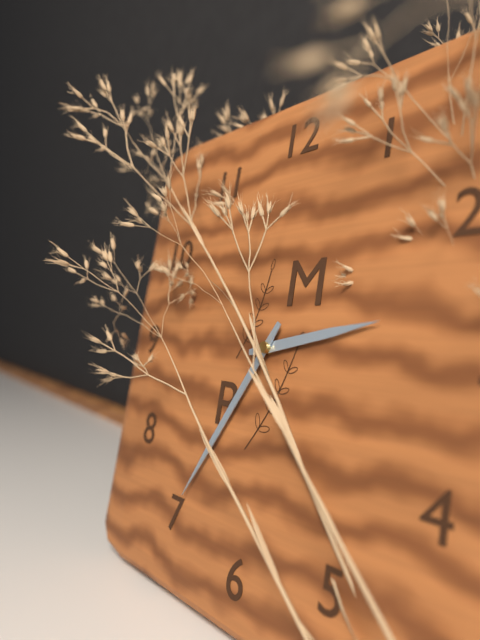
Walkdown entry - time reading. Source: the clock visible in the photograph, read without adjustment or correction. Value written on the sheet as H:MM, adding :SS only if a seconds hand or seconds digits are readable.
2:35
